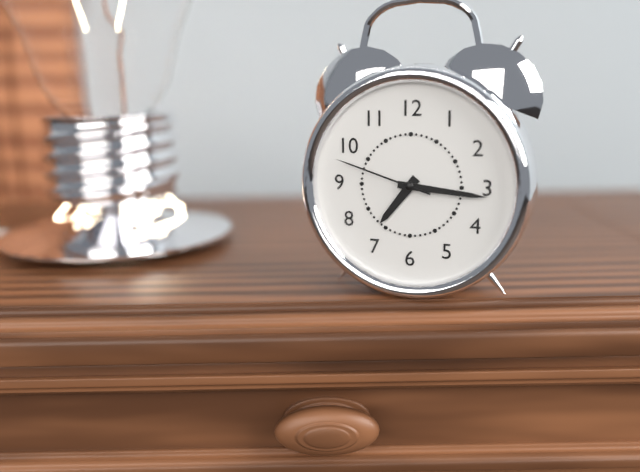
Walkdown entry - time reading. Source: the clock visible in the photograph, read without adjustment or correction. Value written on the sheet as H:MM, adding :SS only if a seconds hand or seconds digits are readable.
7:16:48
